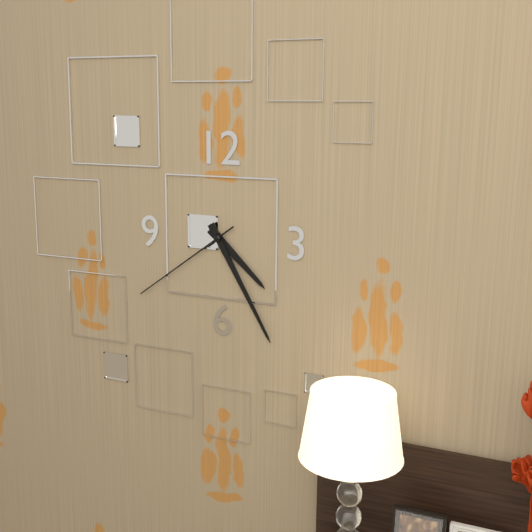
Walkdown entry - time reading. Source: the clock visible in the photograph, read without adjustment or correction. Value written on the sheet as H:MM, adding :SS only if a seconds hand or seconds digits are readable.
4:25:39
